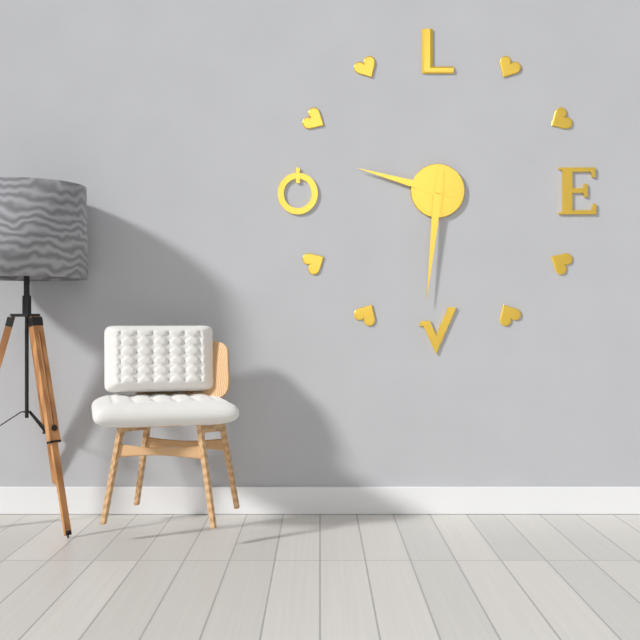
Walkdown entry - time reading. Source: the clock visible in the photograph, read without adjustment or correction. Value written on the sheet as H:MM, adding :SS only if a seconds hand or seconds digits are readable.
9:31
